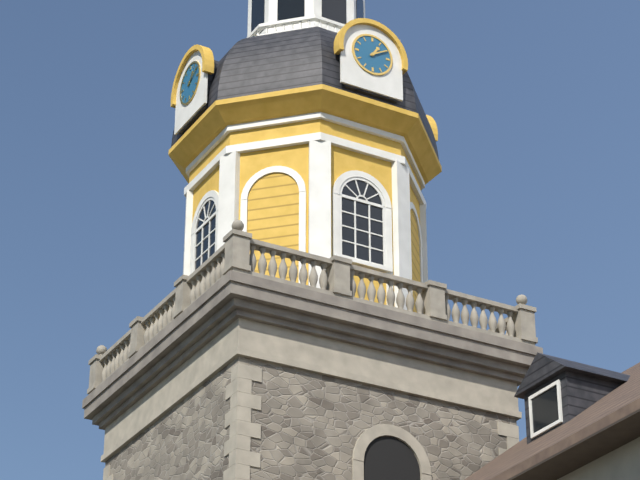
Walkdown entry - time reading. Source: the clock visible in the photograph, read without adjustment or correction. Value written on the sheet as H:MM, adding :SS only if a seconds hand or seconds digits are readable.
1:10
